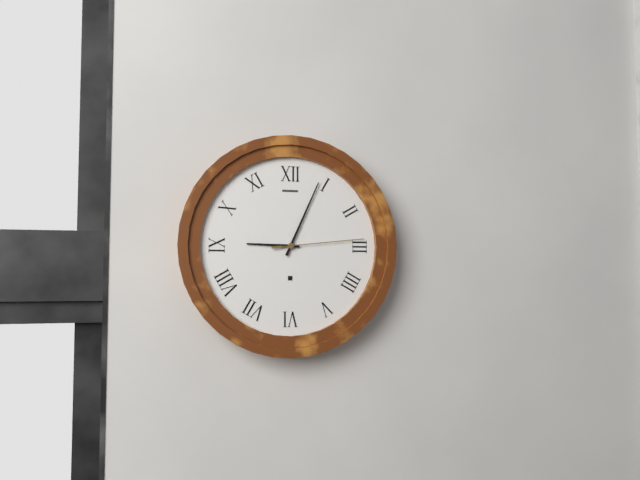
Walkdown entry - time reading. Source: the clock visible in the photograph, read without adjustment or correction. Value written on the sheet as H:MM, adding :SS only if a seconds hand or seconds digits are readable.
9:04:14
